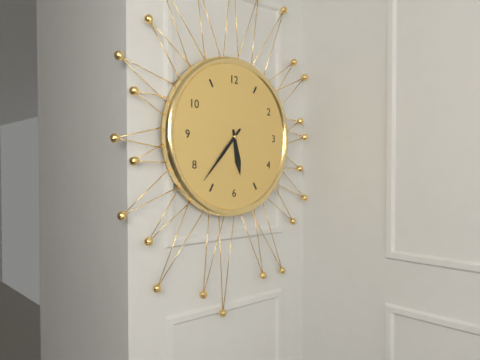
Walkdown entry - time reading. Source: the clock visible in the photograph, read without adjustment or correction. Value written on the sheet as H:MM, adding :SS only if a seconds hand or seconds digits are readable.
5:37
